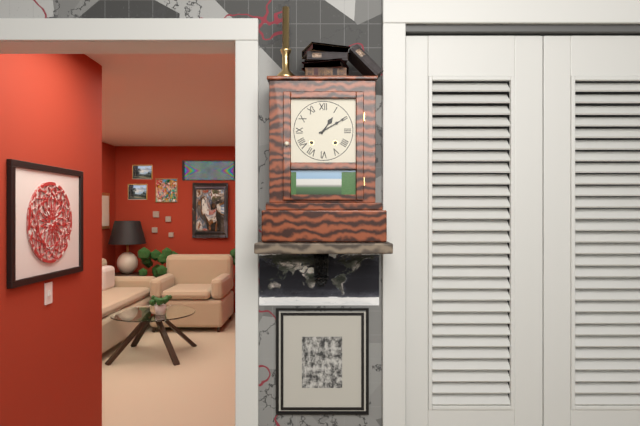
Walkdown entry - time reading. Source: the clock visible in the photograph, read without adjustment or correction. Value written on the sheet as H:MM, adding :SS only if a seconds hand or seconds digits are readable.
1:10
